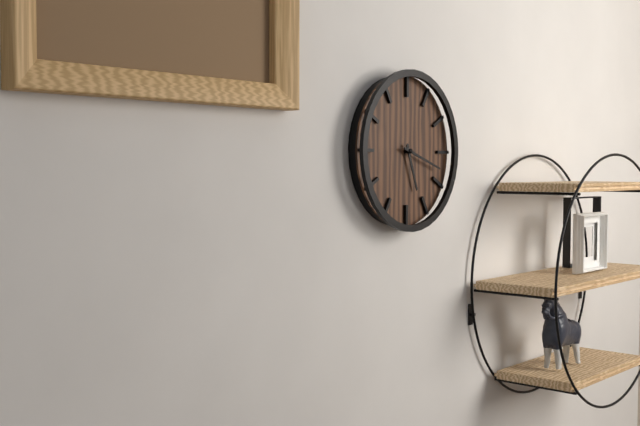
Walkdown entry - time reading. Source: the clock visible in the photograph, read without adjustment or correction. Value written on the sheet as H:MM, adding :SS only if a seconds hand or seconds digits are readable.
5:18
